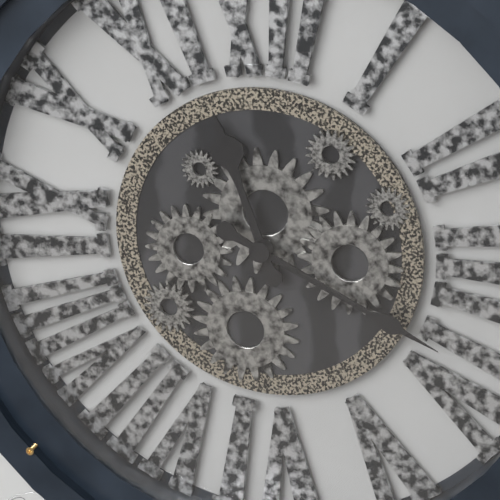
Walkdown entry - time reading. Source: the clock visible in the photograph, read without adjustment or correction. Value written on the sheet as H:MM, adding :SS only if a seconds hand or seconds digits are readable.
11:19
